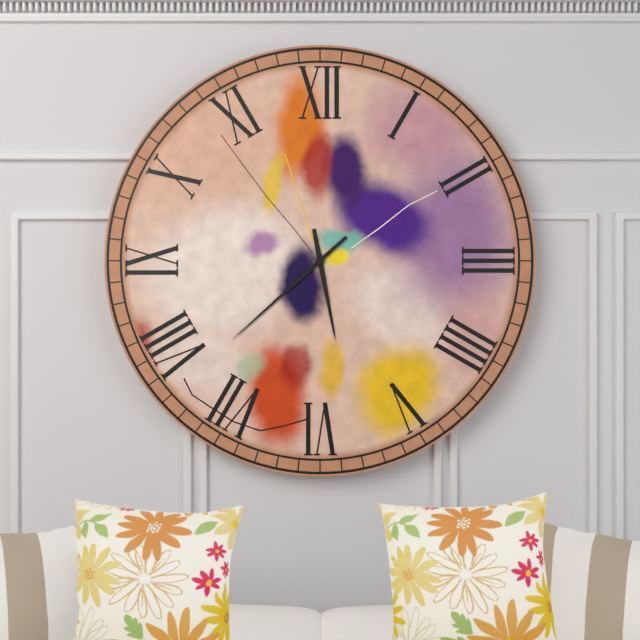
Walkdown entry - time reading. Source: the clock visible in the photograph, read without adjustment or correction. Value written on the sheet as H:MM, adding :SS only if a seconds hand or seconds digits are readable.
5:38
